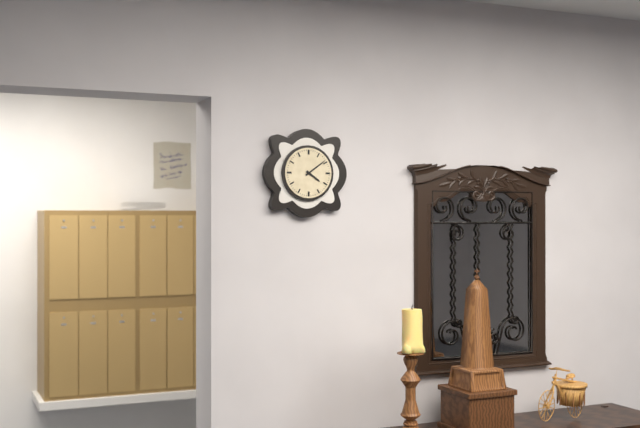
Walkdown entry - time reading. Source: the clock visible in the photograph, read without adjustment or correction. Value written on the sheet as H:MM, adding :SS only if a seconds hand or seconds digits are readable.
4:09
